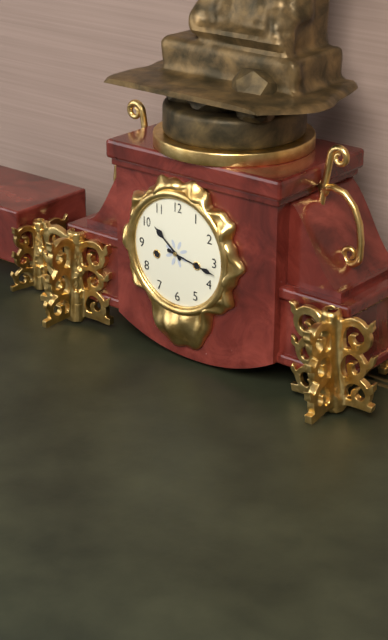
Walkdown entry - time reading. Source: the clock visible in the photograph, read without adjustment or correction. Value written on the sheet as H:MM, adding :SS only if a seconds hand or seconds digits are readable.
10:17
